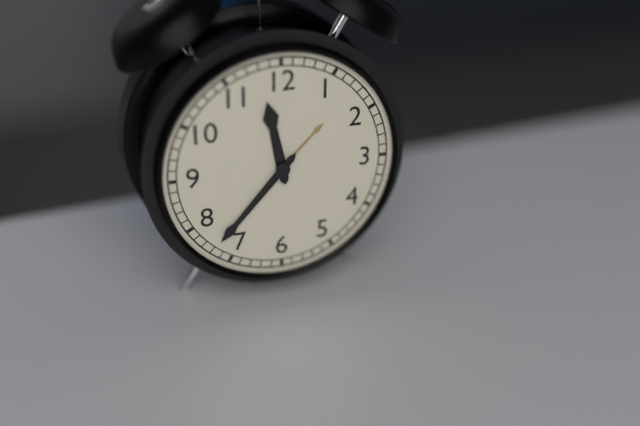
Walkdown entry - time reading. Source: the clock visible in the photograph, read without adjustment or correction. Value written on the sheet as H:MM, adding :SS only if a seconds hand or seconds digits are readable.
11:37
